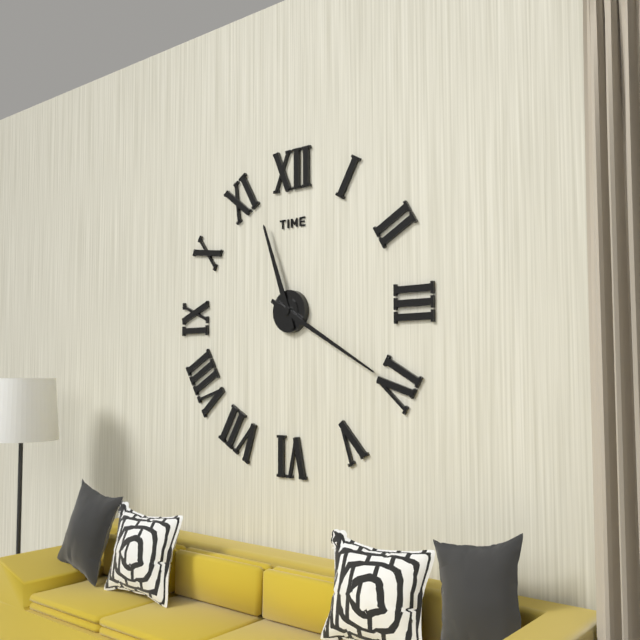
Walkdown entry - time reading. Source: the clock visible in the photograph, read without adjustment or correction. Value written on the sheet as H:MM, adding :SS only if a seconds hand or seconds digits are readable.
11:20
